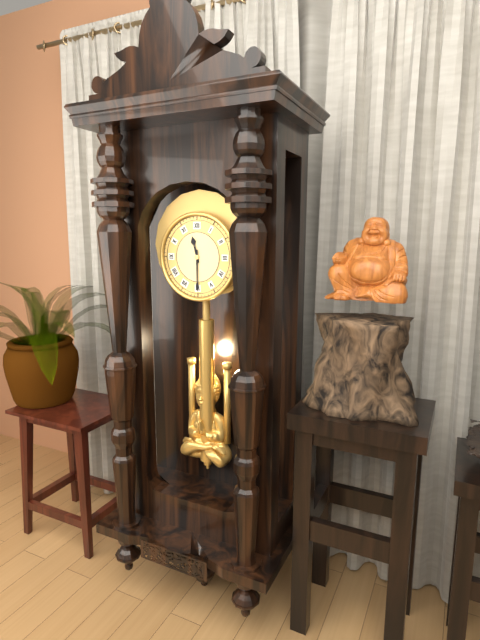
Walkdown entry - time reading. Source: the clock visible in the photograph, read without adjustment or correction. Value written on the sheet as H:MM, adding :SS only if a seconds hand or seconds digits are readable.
11:30
